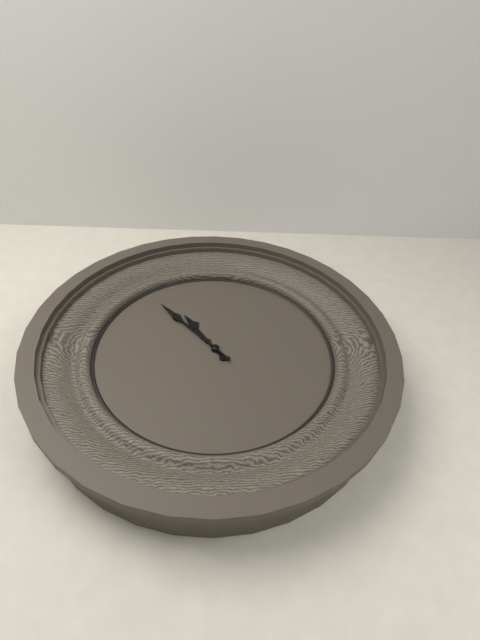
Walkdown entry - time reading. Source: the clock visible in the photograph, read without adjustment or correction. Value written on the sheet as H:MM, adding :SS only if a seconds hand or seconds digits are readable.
10:53
